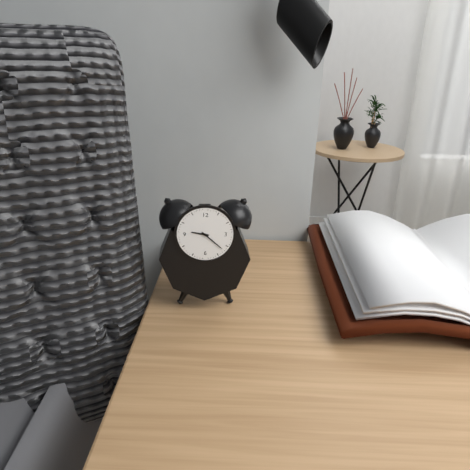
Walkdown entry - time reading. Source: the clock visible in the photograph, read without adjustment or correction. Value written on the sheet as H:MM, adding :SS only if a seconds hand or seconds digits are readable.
9:22
